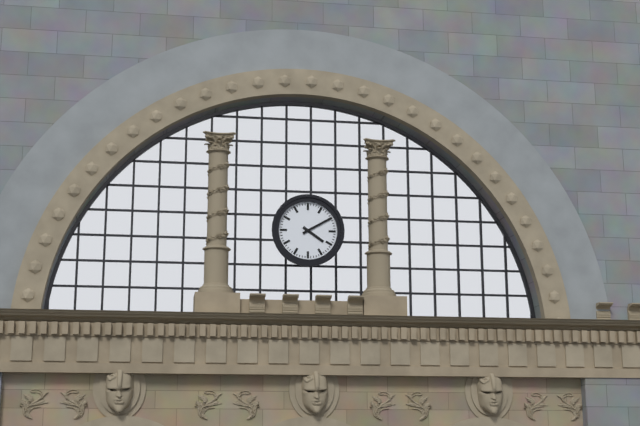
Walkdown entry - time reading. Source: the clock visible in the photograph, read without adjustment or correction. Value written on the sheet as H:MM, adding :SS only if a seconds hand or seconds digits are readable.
4:10
